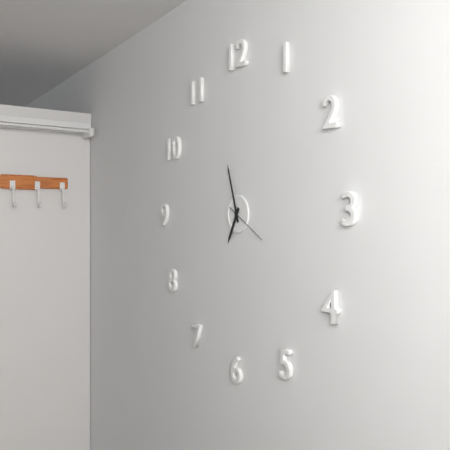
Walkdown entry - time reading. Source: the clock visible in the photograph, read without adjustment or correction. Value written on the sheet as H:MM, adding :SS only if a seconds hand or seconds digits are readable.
6:57
